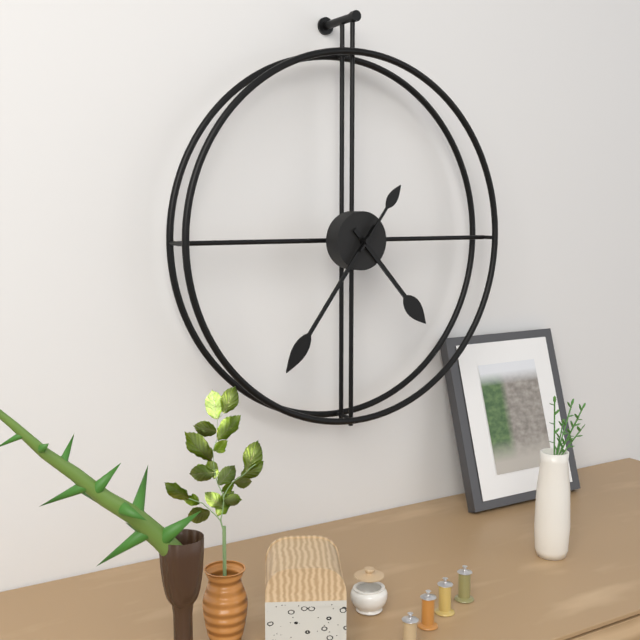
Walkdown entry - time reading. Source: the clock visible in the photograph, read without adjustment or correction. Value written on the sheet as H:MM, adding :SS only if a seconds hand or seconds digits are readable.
4:36:06
